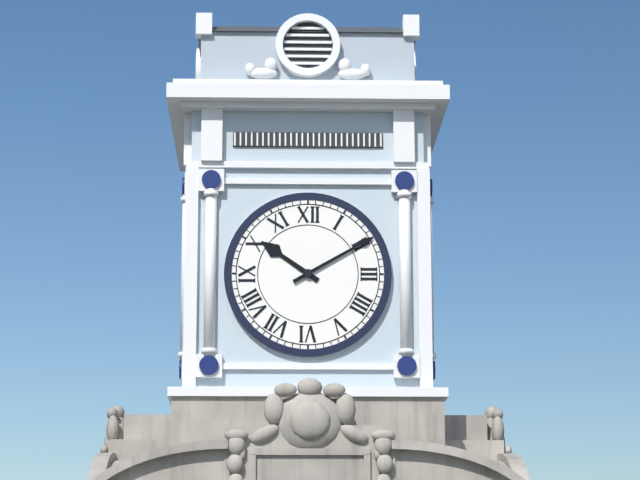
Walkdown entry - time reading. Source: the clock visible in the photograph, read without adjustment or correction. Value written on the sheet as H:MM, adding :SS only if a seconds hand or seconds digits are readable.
10:10
